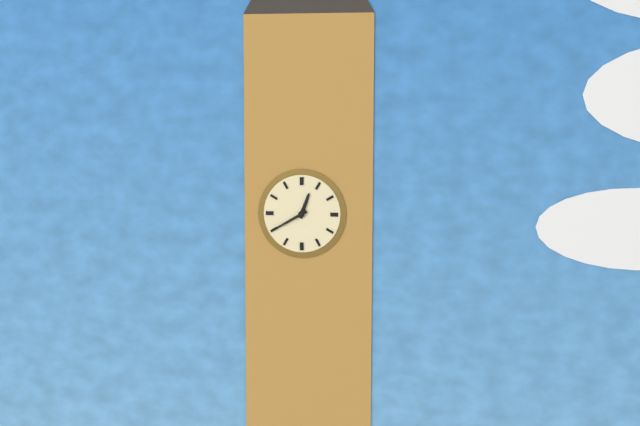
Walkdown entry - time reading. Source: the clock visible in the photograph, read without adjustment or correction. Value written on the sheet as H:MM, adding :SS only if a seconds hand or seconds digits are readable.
12:40
